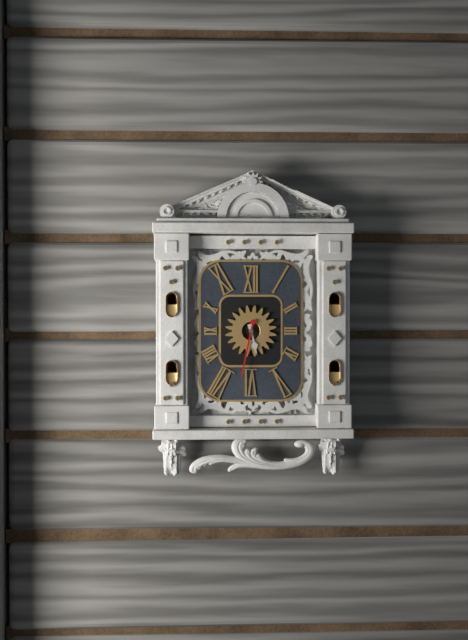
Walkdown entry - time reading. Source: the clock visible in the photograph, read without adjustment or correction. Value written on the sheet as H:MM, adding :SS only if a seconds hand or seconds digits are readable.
5:32
